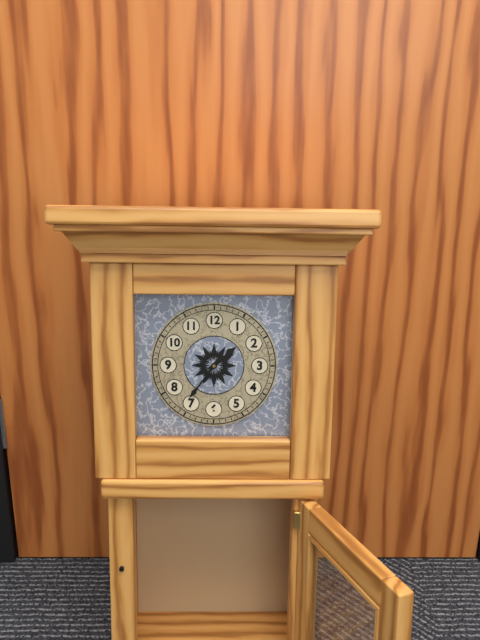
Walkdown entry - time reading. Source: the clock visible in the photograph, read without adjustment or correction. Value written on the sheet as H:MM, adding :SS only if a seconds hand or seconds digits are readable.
1:36
